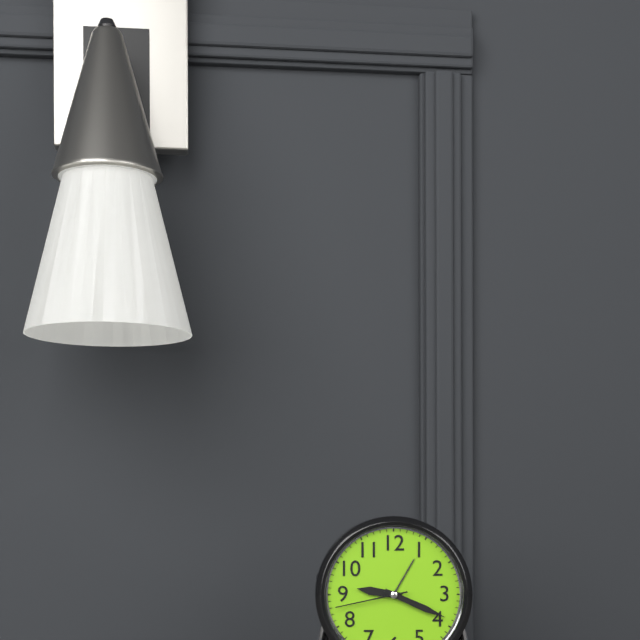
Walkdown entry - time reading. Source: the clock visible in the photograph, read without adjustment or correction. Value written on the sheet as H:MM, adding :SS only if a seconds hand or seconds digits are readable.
9:19:43
